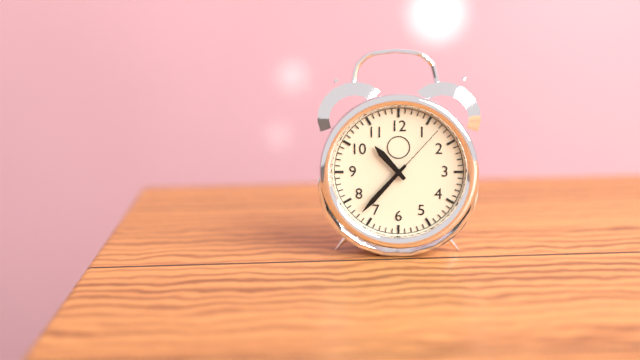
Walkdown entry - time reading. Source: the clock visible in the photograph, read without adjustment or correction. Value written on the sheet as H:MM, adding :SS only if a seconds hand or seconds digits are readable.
10:37:07
